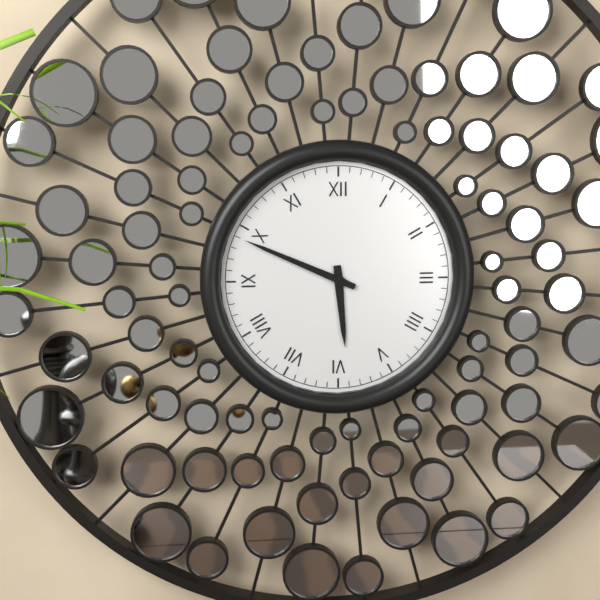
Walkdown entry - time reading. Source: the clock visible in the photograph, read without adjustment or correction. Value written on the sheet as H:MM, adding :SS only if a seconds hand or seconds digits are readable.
5:49
